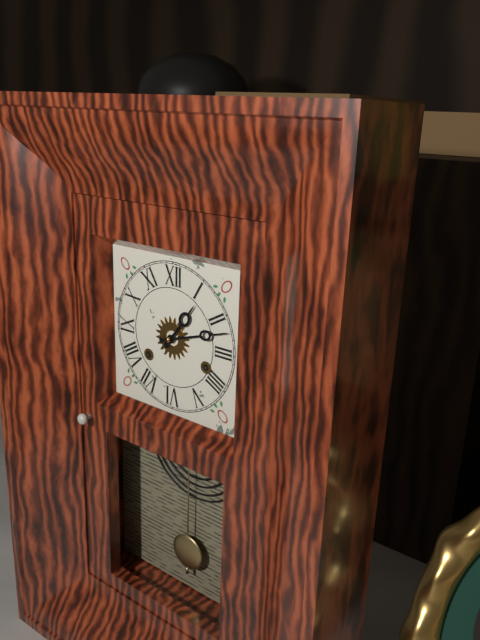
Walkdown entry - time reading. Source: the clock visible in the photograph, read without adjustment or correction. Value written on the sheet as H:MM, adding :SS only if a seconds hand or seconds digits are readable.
1:12
